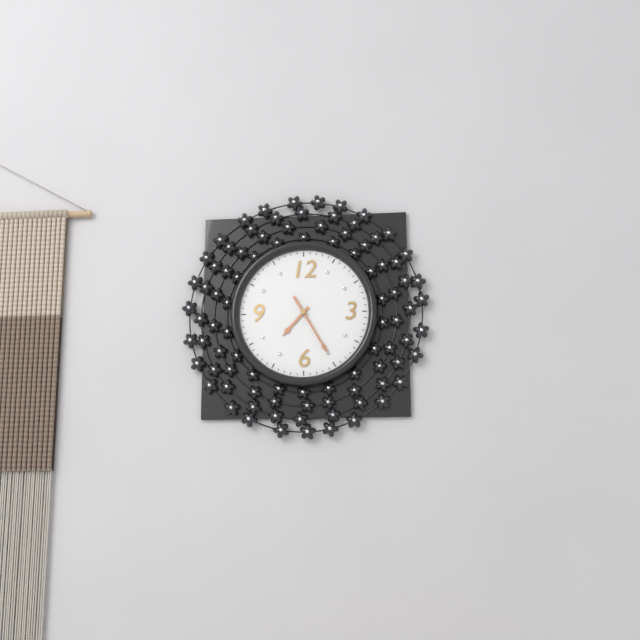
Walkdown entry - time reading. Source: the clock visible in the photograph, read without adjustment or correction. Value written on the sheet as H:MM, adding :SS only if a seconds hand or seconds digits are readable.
7:25
